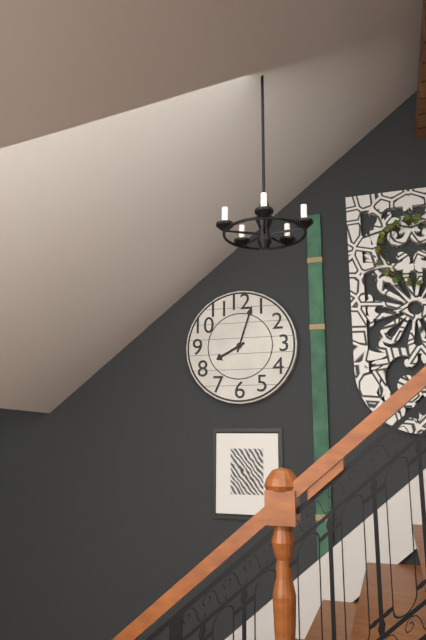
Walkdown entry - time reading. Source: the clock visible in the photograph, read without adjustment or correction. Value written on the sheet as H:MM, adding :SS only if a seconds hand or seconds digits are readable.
8:03
